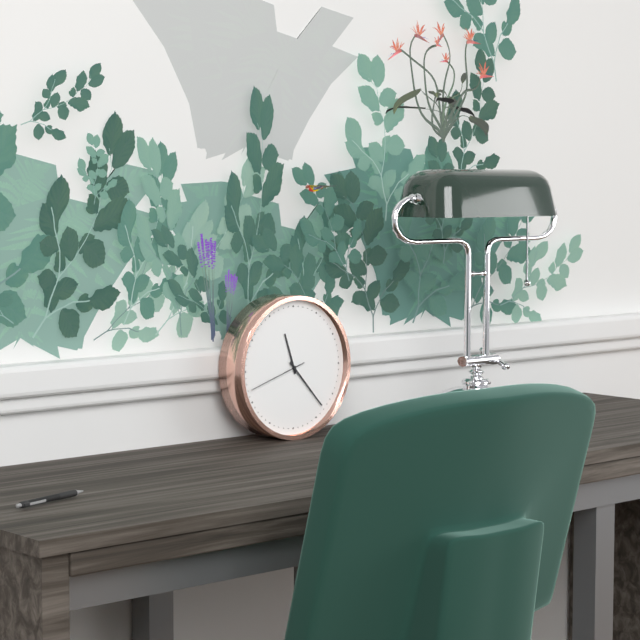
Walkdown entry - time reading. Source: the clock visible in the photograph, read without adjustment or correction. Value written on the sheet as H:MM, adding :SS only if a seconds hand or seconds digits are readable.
11:23:42
